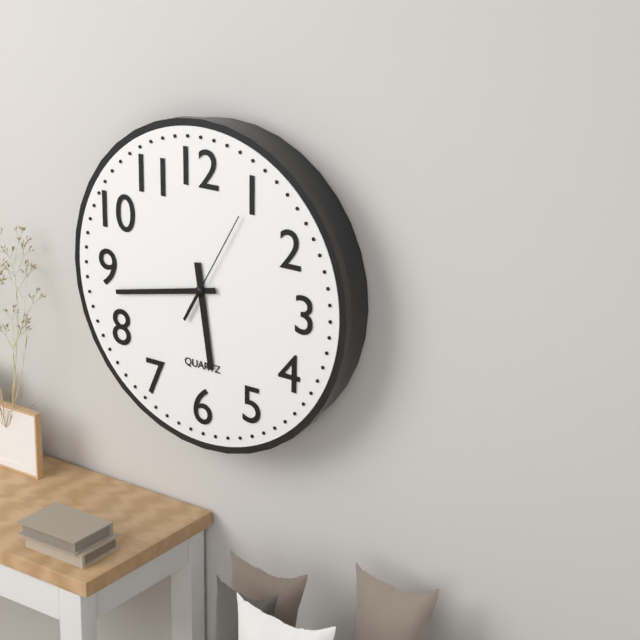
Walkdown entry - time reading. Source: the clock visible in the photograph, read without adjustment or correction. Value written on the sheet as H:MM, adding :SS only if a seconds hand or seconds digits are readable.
5:43:05
